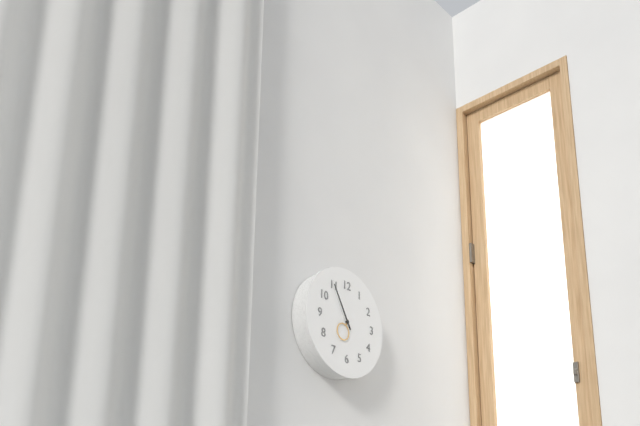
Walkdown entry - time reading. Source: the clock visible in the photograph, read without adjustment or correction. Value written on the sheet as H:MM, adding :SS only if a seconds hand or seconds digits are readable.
6:55
